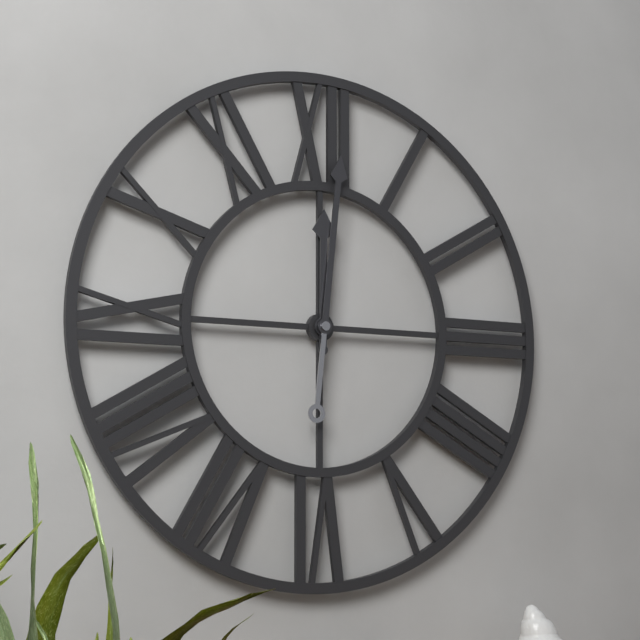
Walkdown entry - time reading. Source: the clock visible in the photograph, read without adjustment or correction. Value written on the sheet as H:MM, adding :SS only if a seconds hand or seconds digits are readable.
12:01
